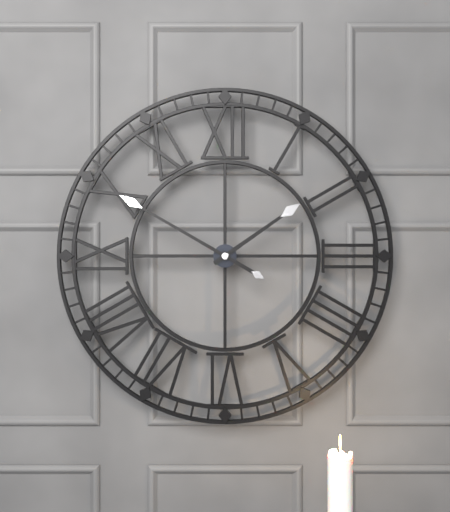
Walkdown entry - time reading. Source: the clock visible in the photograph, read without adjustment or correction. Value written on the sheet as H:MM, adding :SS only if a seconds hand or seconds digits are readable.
1:50
